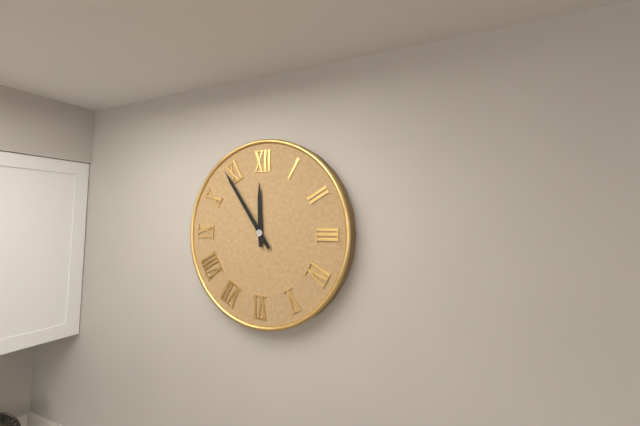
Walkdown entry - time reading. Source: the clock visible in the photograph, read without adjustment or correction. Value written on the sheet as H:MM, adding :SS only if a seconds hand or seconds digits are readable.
11:54
